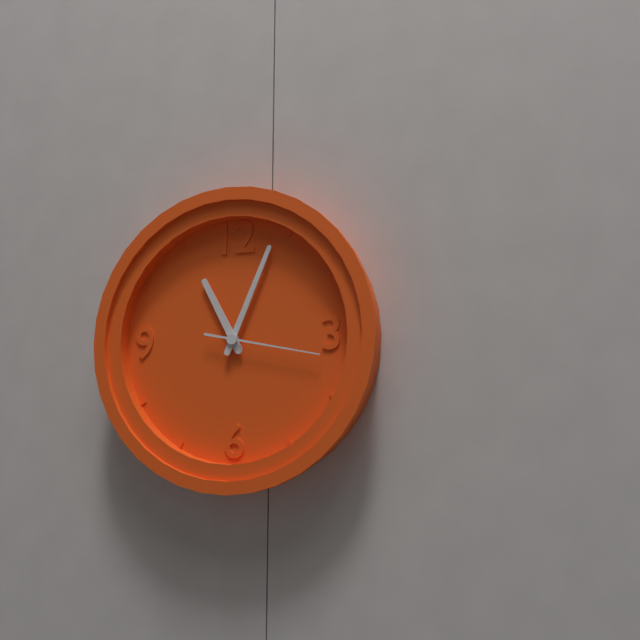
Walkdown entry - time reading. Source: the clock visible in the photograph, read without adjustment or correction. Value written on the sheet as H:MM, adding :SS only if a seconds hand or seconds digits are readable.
11:04:17
